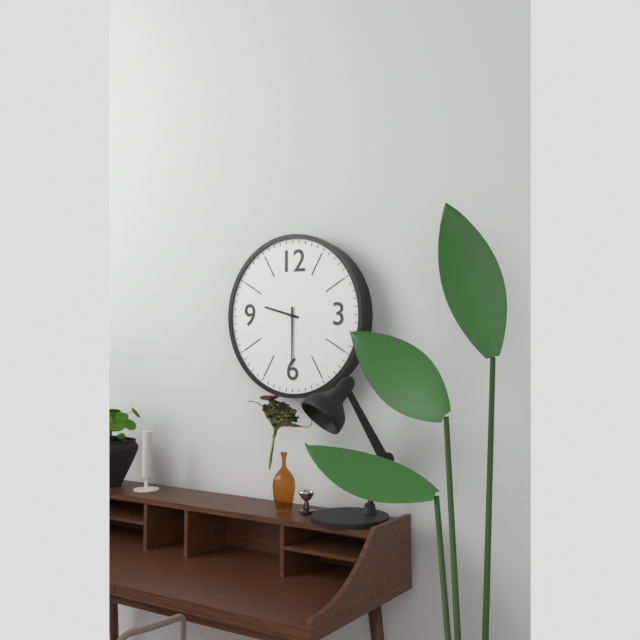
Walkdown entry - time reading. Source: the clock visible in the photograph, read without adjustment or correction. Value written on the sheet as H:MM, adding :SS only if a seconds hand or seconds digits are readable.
9:30
